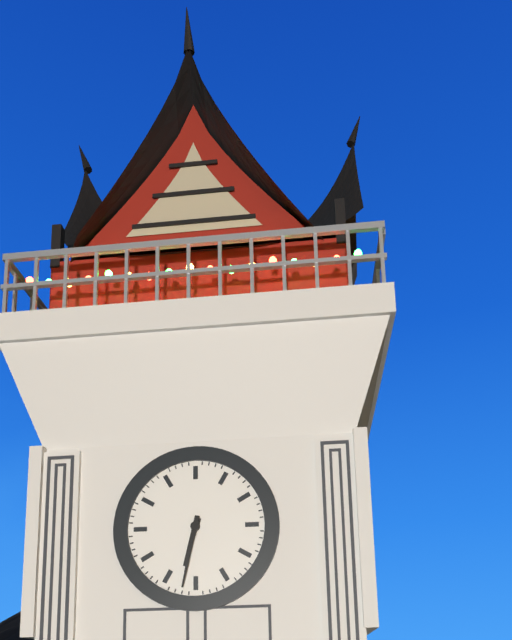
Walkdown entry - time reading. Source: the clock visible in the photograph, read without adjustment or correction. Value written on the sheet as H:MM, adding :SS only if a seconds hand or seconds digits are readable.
6:32
